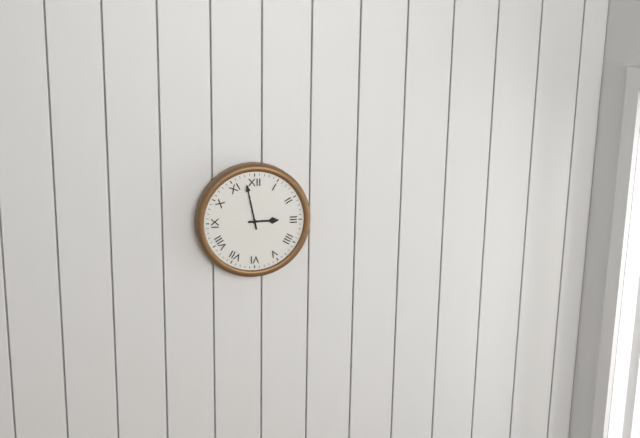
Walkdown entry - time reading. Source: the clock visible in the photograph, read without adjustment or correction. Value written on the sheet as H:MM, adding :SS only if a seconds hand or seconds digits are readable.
2:58
